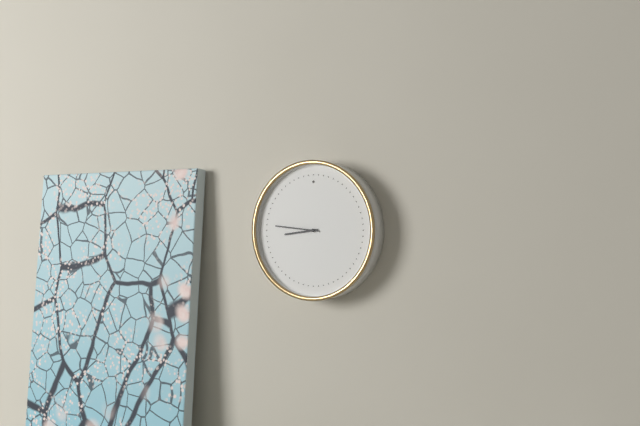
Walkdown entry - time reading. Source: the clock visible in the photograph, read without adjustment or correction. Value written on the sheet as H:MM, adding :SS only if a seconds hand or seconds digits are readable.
8:46
